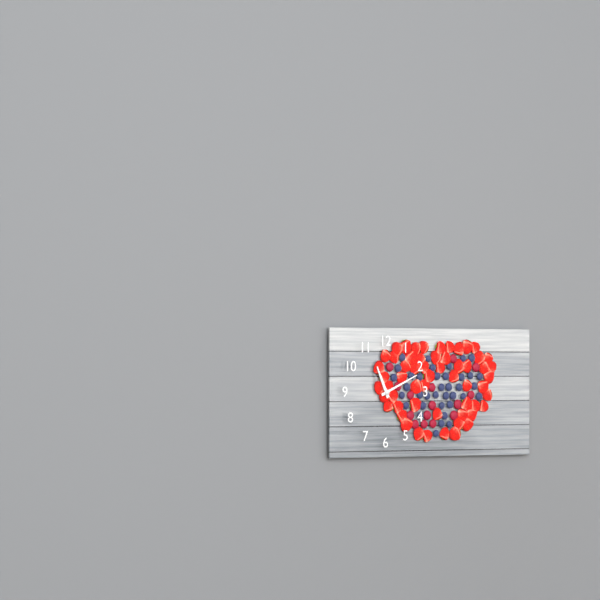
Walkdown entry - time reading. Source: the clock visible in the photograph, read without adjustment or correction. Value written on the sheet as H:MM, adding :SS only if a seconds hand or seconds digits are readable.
11:11
